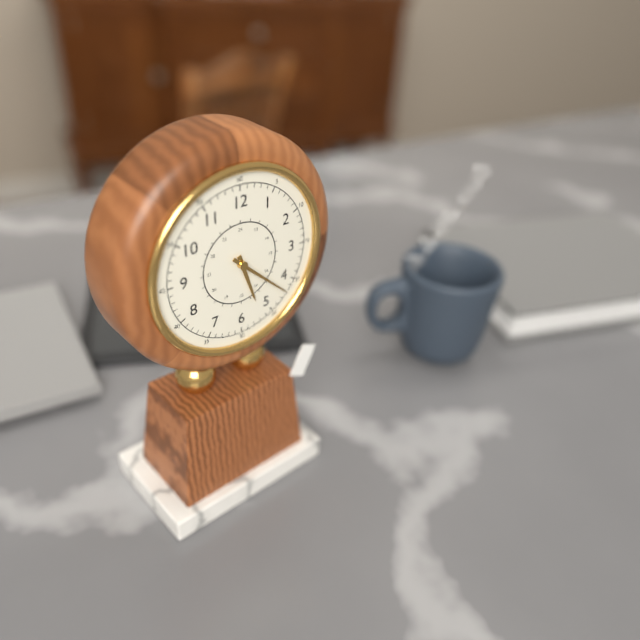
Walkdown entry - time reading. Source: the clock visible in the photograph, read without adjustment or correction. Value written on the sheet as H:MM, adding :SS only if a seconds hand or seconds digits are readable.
5:22
